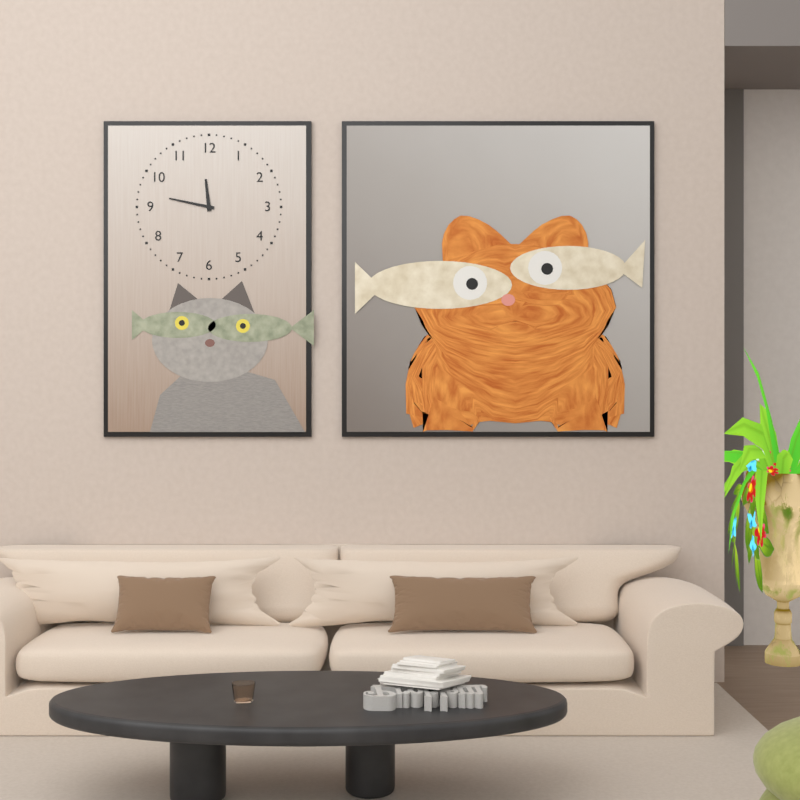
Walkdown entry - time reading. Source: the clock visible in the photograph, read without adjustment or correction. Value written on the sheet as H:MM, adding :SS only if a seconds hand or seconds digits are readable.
11:47
